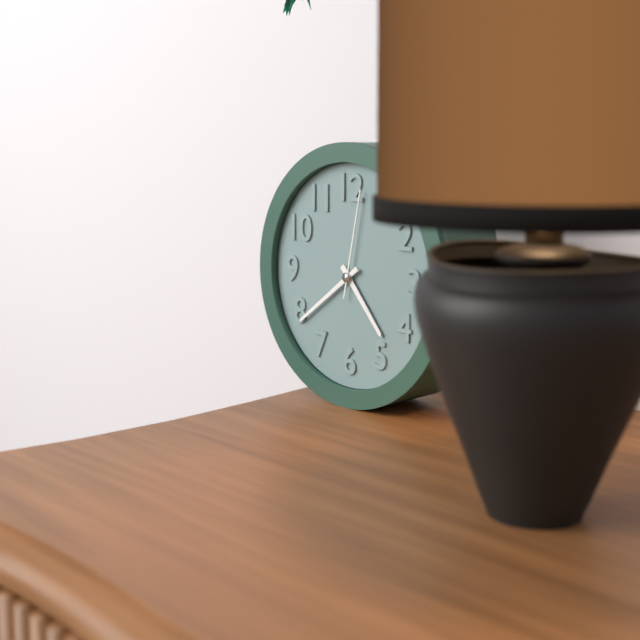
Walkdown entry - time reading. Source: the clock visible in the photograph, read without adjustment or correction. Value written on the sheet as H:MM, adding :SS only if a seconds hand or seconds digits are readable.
4:39:02
